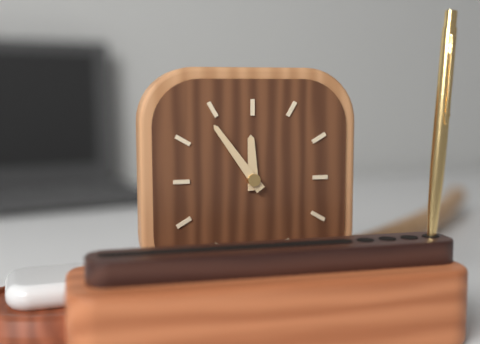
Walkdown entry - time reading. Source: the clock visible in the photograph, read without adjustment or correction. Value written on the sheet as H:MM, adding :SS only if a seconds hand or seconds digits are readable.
11:54
